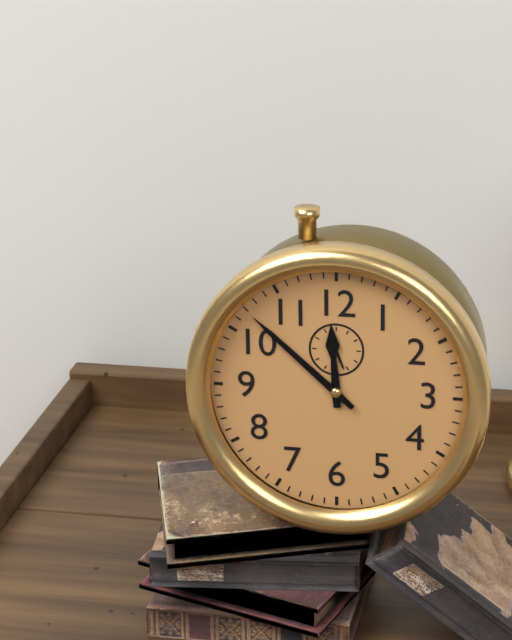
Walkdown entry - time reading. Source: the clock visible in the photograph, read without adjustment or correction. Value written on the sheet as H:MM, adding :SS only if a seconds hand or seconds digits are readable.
11:52
